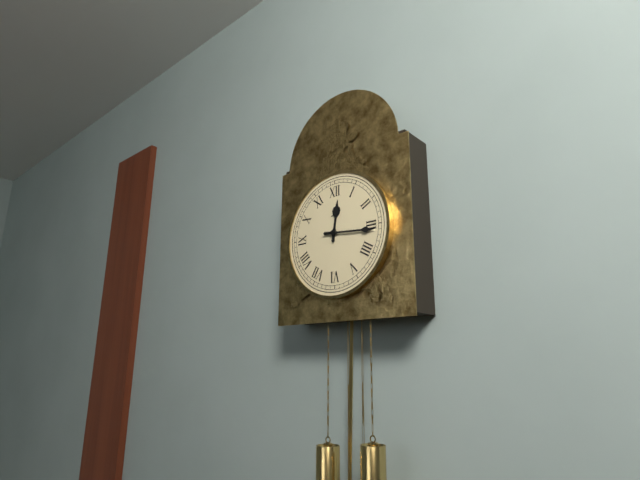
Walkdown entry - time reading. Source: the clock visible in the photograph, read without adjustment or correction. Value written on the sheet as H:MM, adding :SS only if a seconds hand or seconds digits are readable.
12:16
